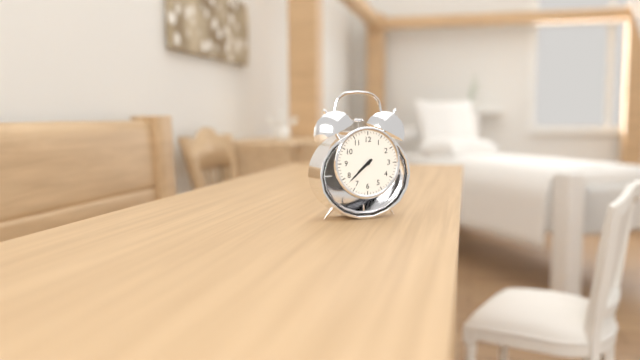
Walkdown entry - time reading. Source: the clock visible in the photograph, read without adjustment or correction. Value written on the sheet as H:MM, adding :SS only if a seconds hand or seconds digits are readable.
7:38
